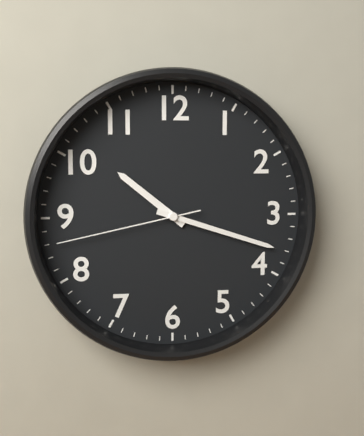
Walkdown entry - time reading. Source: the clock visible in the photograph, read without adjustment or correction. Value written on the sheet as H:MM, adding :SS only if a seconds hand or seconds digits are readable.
10:18:43
